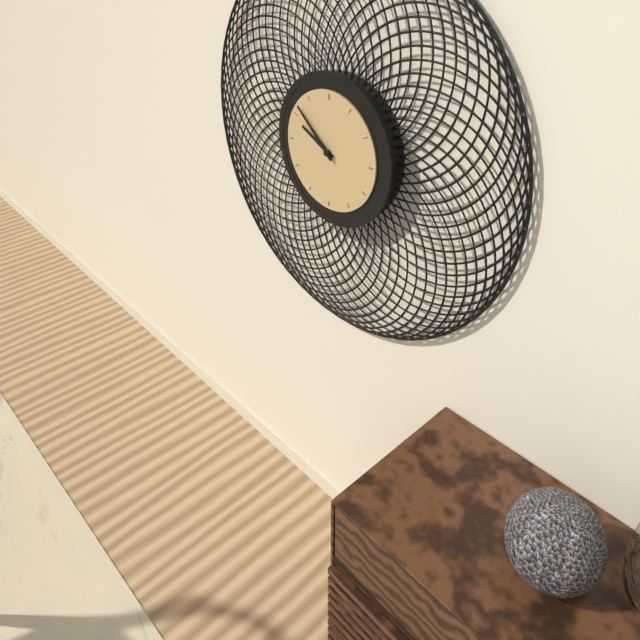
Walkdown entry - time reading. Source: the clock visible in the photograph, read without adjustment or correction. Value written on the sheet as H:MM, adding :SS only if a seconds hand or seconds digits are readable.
9:52
